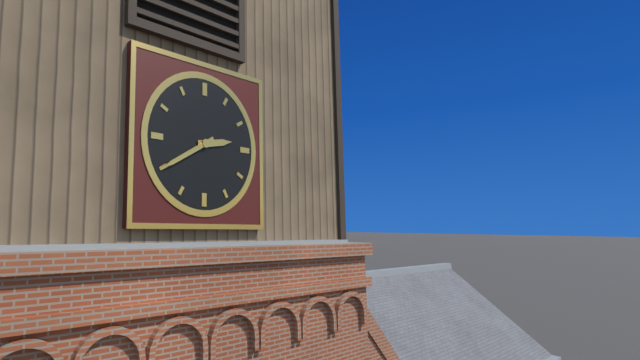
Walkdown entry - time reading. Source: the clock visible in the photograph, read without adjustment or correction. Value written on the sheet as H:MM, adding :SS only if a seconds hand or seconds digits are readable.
2:40
